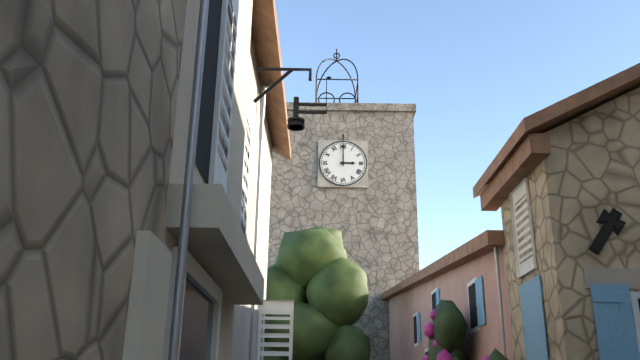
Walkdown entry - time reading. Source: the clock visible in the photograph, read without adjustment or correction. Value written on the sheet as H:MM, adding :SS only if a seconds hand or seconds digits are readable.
3:00
